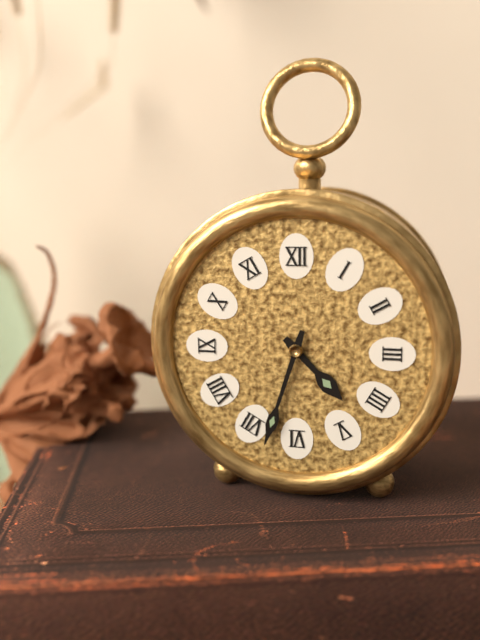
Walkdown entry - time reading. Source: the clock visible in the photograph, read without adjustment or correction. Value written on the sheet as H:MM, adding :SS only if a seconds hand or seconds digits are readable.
4:33
